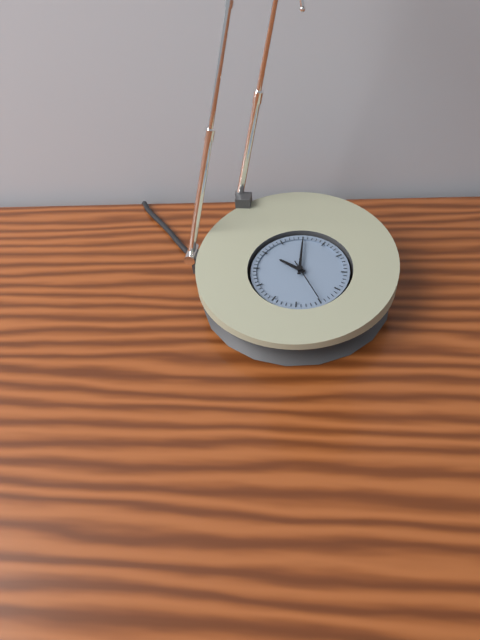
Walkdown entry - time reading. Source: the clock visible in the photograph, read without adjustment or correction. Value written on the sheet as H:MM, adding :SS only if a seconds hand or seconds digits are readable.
10:00
